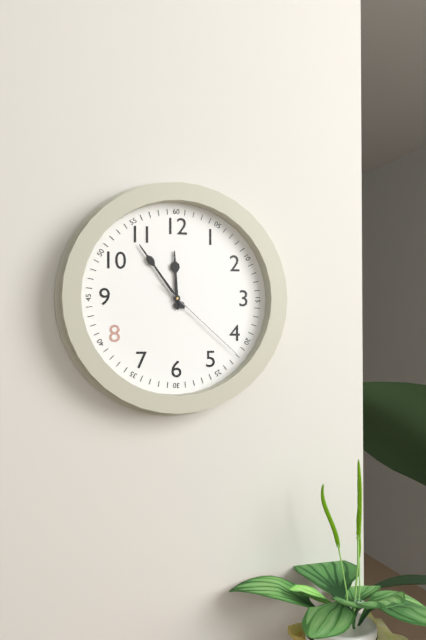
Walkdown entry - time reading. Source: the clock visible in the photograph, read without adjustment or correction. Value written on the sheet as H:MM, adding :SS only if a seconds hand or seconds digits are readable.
11:54:22
